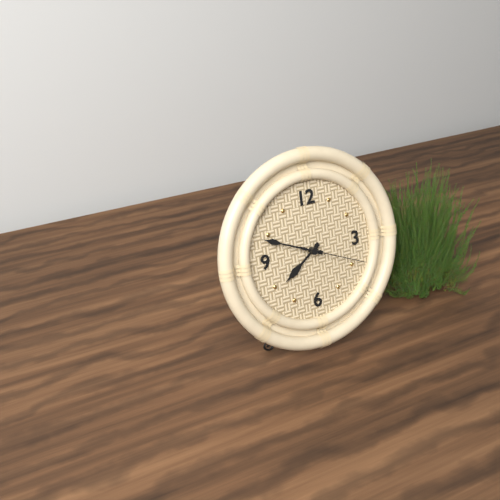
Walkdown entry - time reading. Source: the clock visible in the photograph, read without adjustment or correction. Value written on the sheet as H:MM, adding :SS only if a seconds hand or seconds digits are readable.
7:49:19
